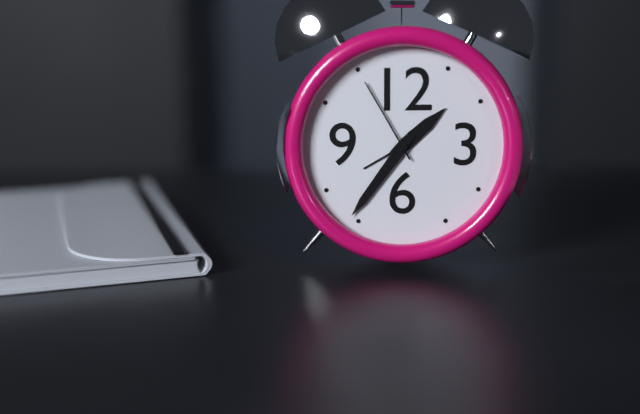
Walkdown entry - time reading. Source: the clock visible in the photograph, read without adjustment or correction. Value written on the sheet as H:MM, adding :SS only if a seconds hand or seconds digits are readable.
1:36:55
